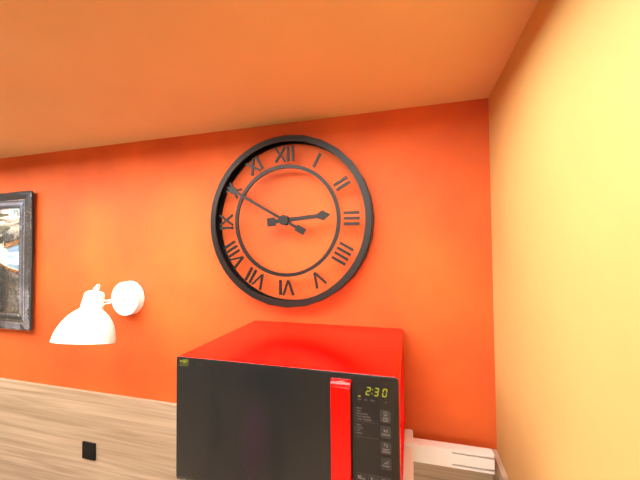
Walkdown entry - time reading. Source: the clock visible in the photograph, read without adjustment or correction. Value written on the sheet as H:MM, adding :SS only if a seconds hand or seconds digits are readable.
2:50
